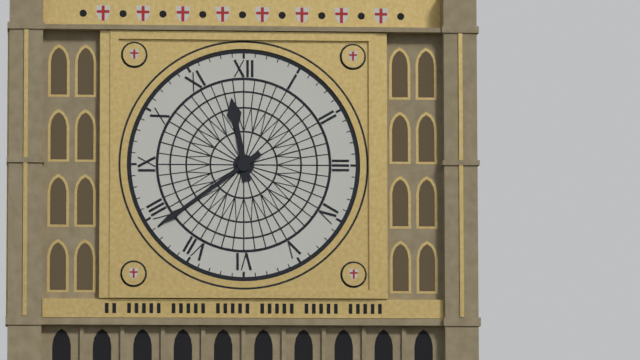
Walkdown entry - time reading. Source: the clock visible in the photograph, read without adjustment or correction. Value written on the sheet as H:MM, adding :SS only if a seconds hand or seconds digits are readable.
11:39
